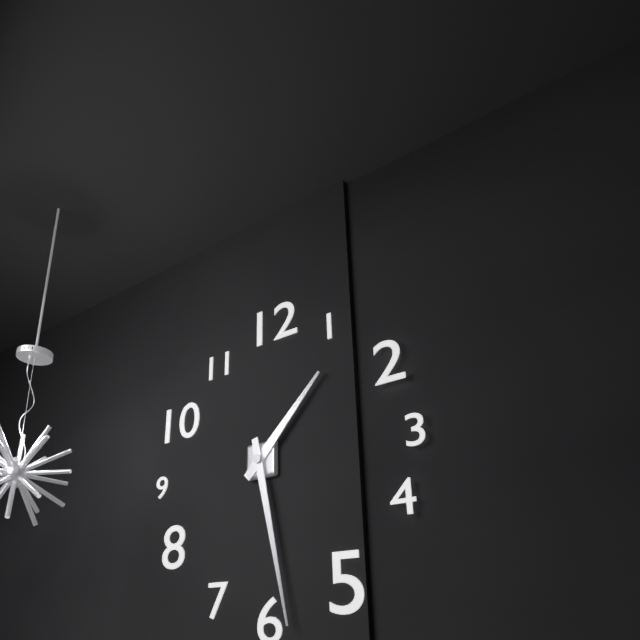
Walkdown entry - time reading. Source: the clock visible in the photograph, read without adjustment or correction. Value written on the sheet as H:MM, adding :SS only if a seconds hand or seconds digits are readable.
1:28
